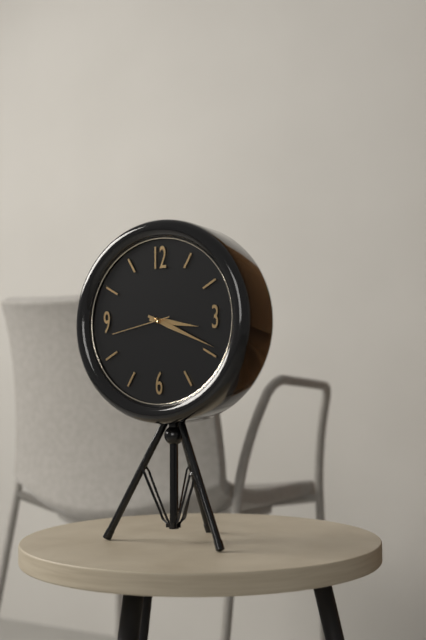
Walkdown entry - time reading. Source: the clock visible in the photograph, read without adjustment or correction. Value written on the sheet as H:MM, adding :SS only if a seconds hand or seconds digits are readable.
3:19:43
